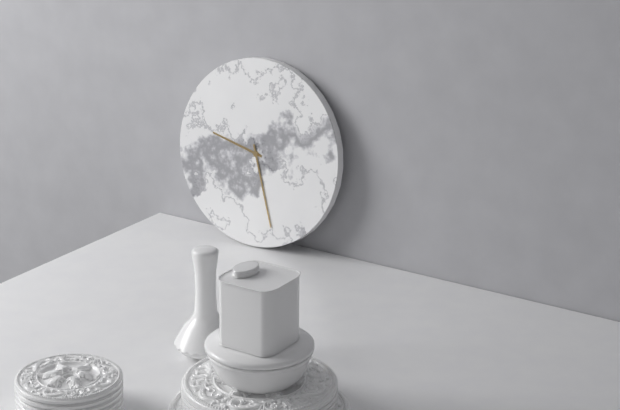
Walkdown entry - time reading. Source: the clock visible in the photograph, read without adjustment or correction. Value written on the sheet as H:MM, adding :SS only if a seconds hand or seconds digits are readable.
9:27
